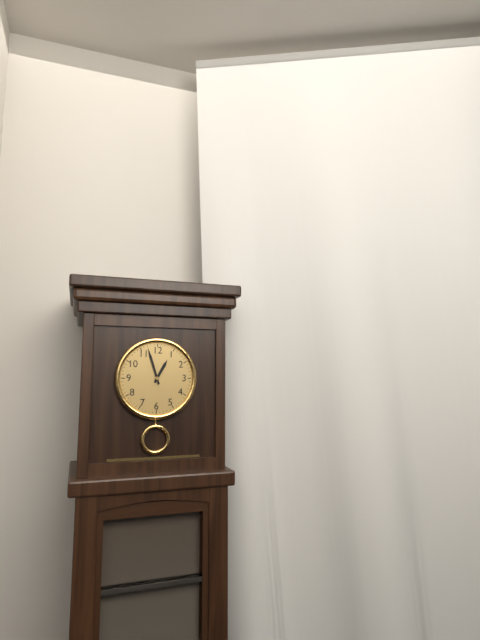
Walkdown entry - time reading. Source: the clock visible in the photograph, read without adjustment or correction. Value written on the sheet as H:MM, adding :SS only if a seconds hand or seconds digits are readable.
12:57
